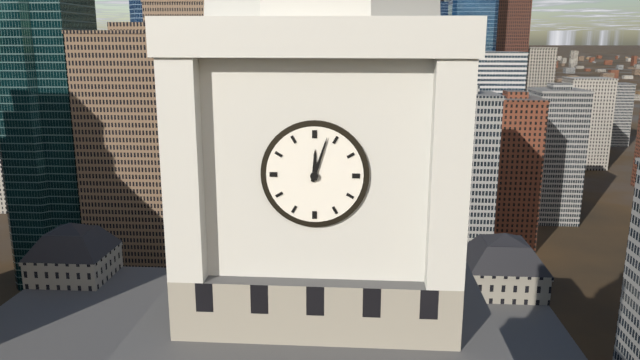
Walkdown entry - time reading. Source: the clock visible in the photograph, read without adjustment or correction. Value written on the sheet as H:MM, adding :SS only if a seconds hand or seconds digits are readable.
12:03
